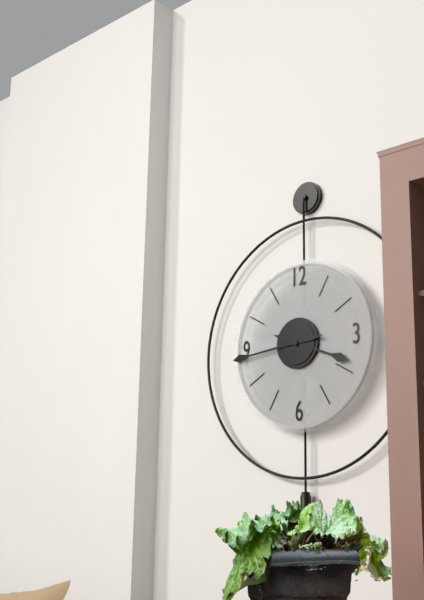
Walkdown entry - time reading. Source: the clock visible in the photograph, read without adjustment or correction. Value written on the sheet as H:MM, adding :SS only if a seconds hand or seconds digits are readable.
3:44
